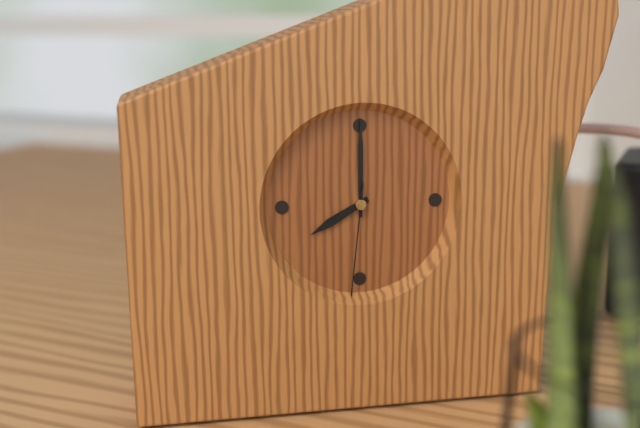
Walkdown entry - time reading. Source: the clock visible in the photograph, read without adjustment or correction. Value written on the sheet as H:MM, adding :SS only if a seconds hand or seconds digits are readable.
8:00:31
